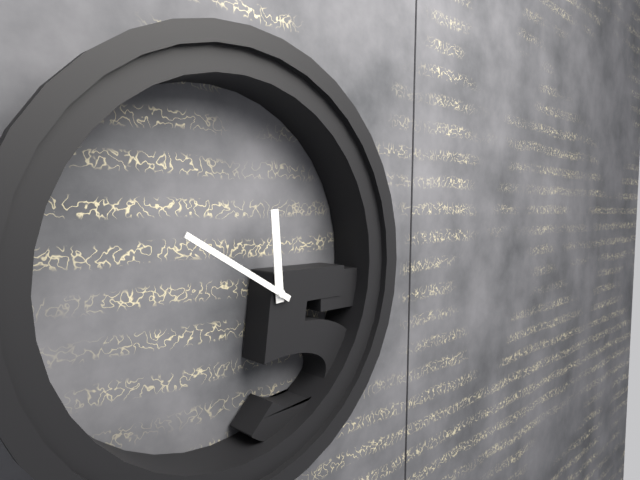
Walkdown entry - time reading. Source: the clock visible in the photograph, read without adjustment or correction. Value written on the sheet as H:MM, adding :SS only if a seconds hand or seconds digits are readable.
11:50
